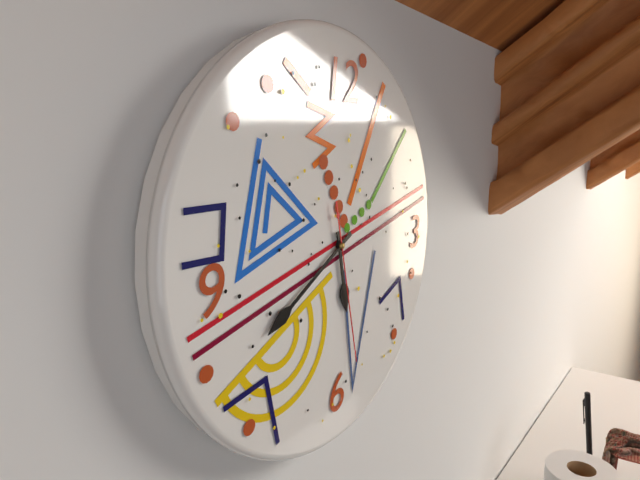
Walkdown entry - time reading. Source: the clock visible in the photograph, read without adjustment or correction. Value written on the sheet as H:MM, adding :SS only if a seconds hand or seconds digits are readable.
5:40:28
